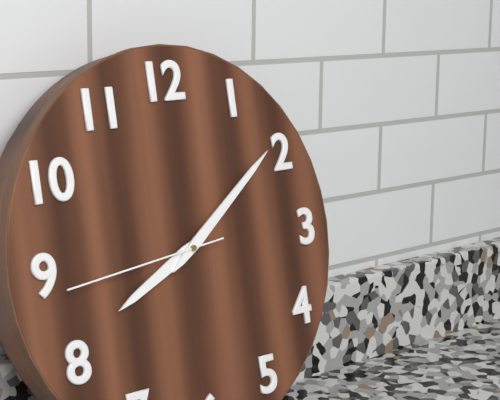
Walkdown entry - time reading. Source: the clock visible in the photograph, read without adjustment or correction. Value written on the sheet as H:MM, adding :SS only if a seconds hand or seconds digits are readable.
8:09:44
